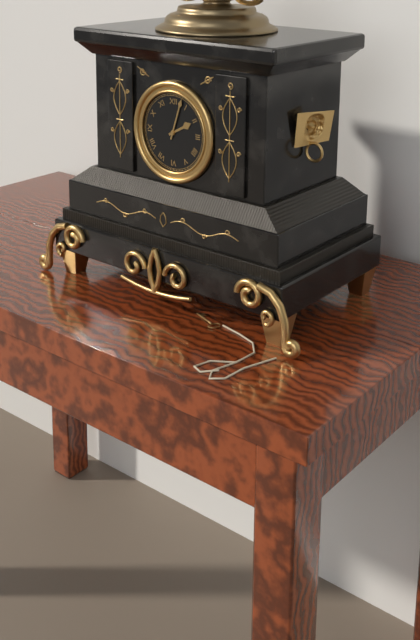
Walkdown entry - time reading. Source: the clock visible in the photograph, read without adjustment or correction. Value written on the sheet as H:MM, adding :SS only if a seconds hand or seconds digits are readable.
2:03
